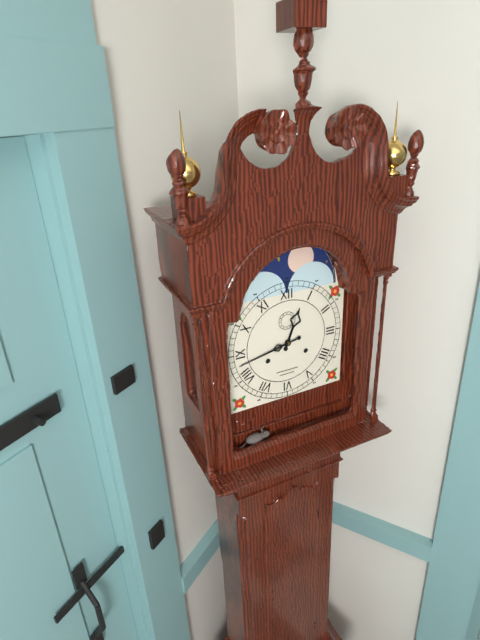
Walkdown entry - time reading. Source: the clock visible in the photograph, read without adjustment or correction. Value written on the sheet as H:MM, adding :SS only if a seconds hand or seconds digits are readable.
12:43
